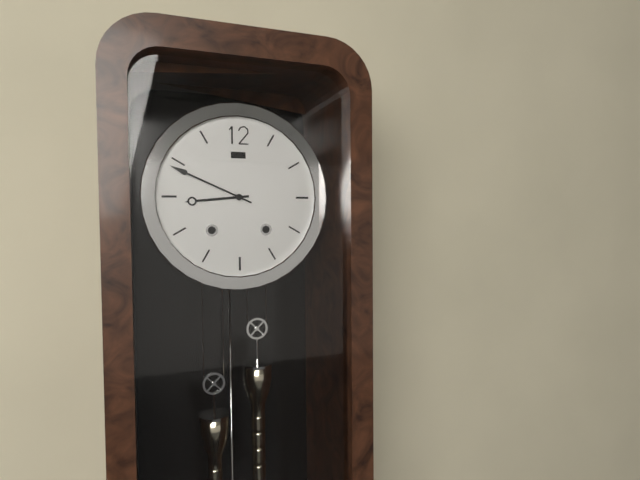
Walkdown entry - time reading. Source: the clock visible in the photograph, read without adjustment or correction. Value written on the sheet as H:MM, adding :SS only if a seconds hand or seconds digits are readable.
8:49
